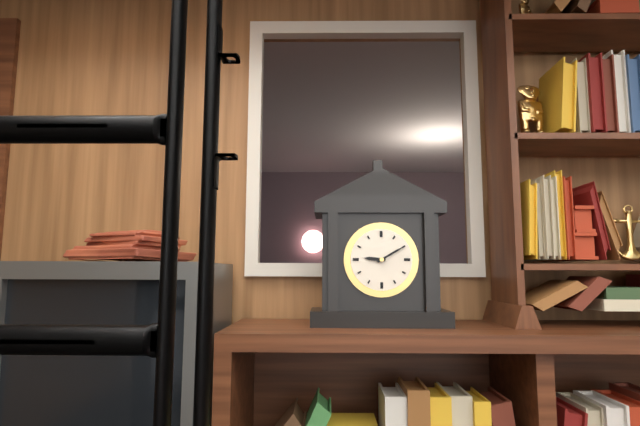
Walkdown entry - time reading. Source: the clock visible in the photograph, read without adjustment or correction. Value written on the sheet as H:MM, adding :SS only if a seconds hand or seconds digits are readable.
9:10
